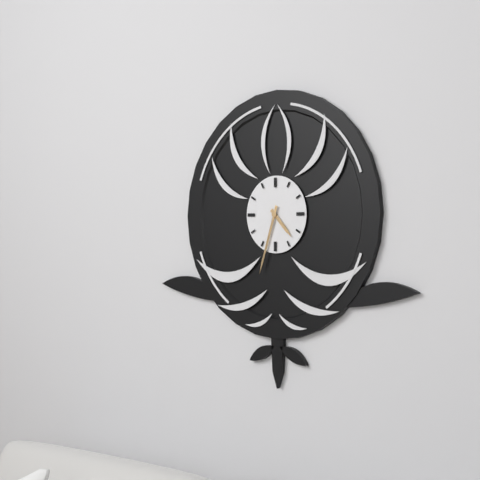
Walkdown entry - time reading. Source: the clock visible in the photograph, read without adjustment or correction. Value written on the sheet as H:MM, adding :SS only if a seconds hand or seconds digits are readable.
4:33
